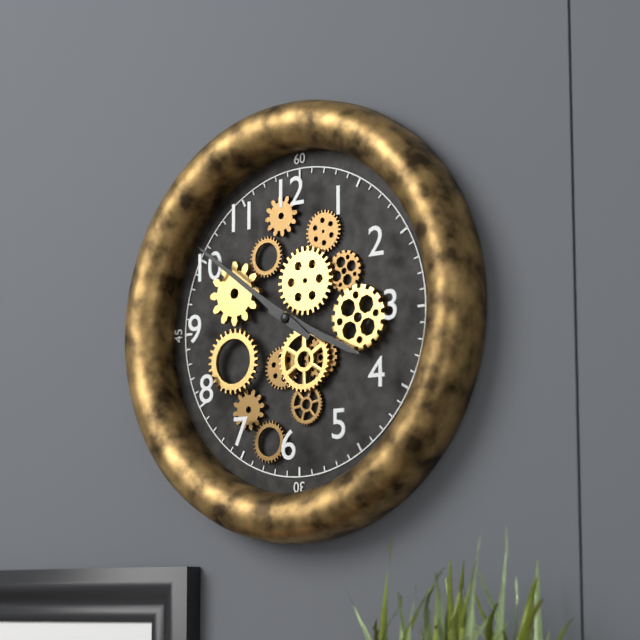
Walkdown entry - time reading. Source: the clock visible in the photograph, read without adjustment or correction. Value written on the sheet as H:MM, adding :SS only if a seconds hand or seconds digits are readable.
3:51
